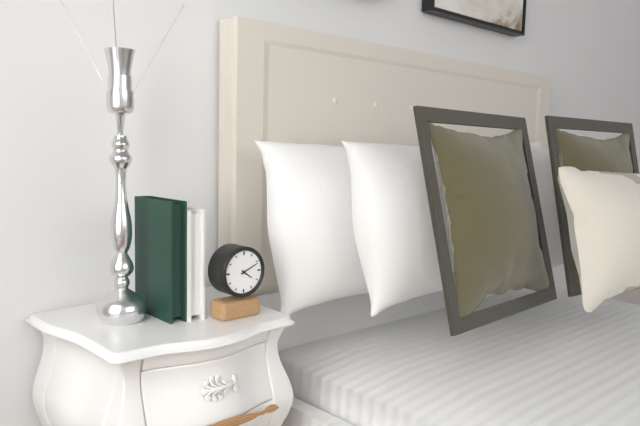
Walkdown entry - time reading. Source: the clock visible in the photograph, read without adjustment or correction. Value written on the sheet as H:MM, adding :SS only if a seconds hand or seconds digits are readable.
4:11
